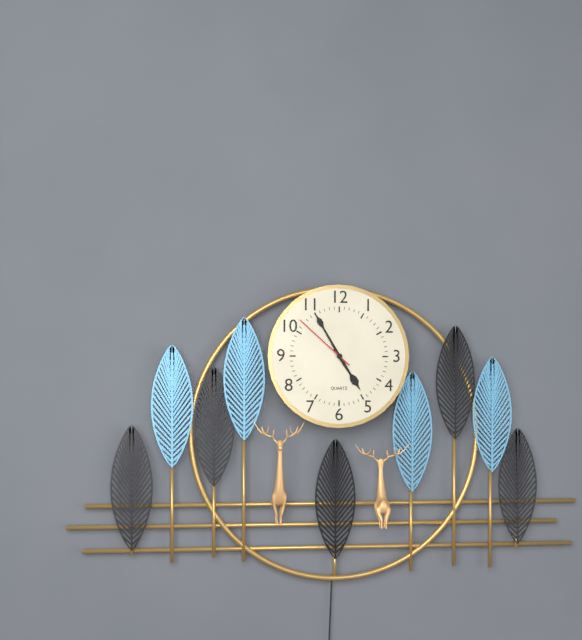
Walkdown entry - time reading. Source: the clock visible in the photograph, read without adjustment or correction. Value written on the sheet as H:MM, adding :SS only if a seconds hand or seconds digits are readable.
4:55:52
